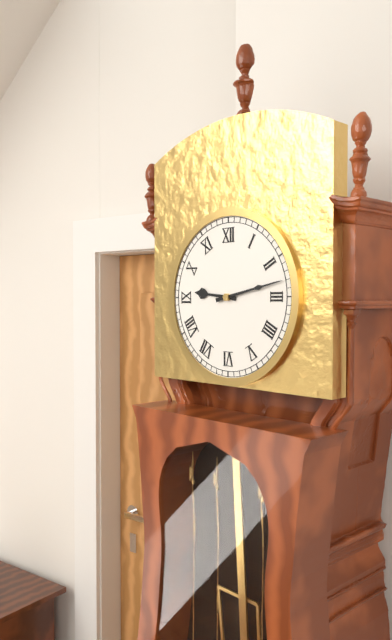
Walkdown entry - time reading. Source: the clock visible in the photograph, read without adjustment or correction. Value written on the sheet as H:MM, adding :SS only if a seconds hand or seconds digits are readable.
9:13
